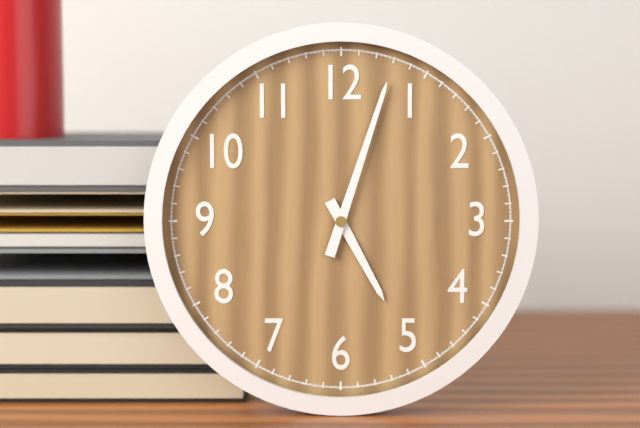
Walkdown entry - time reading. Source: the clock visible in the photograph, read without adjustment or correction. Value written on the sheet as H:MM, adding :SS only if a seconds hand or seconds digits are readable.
5:03
